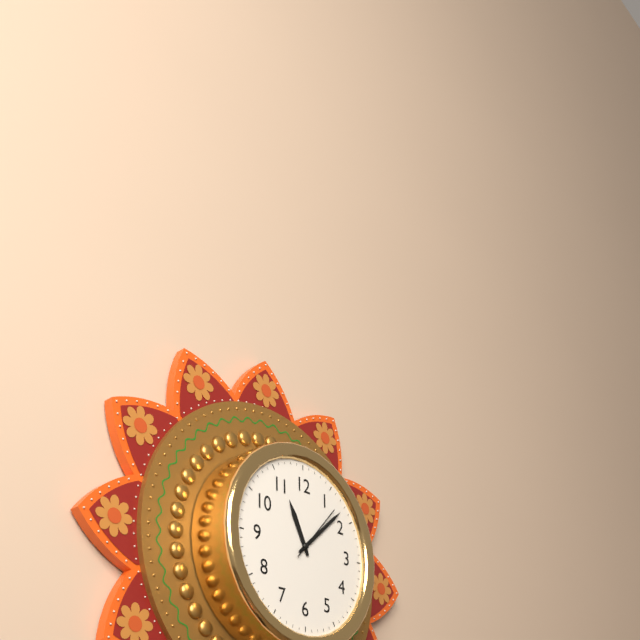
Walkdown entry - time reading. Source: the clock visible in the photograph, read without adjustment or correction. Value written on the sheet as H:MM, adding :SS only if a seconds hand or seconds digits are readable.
11:08:07
